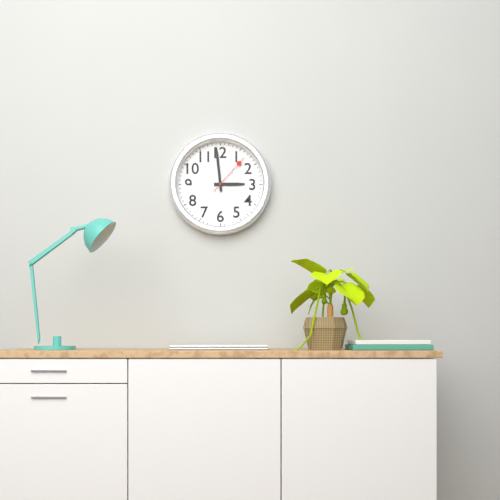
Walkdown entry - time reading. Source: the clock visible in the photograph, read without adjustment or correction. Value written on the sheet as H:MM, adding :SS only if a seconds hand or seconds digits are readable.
2:59
